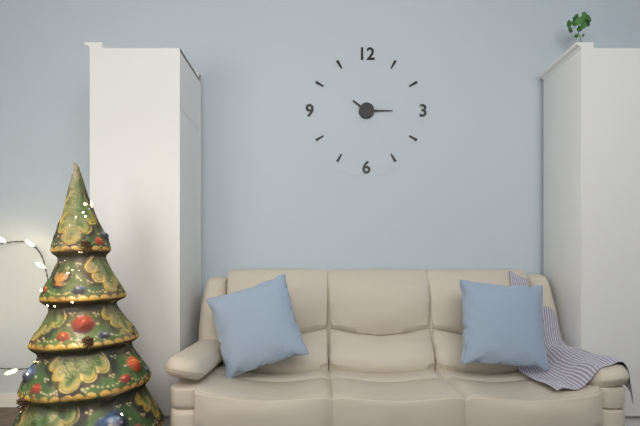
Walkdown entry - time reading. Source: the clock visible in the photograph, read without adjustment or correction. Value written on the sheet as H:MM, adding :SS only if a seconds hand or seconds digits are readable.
10:15
